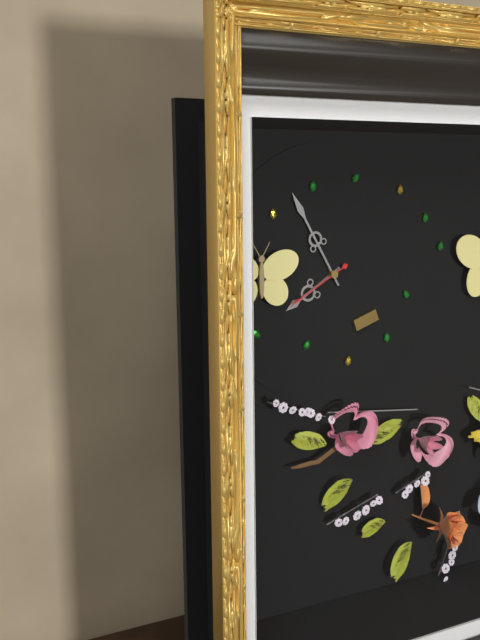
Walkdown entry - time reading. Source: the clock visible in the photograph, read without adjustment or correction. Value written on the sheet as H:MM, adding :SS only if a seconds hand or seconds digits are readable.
7:55:40
